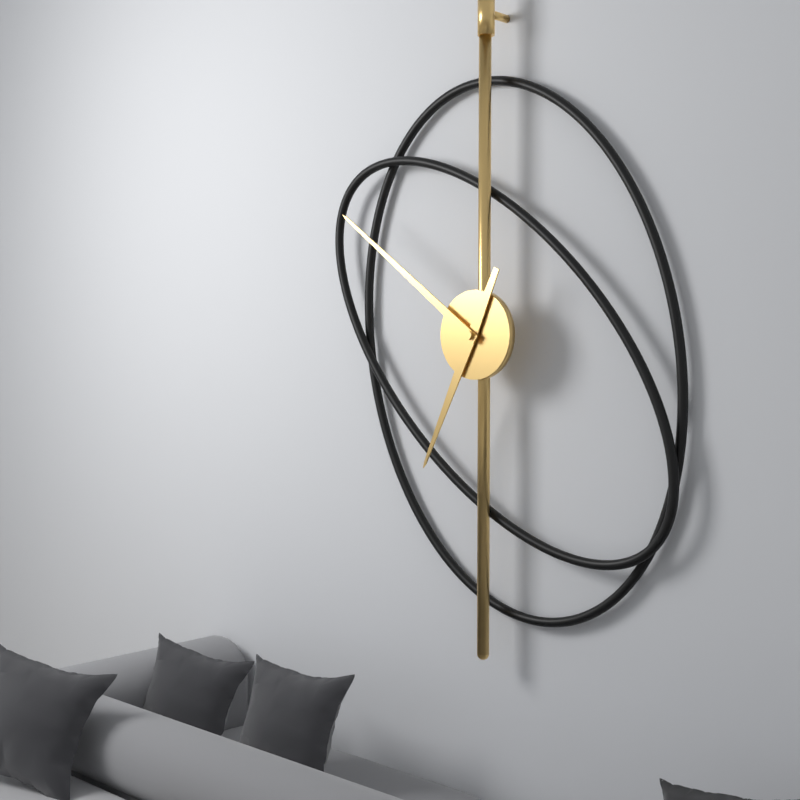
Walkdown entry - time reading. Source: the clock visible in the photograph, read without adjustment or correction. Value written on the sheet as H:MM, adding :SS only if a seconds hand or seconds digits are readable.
6:51
